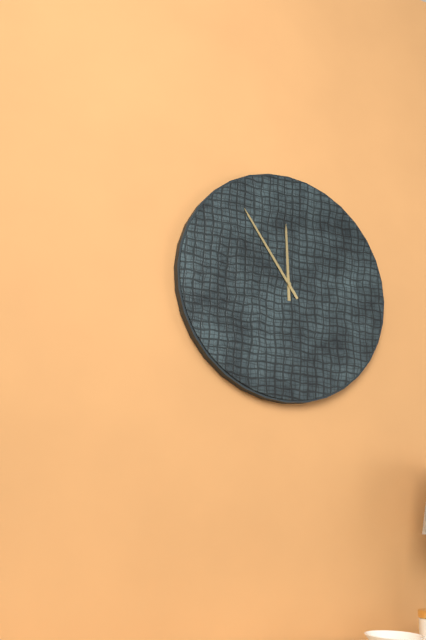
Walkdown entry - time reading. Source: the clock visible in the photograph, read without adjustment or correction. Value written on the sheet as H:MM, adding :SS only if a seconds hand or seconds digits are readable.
11:54
